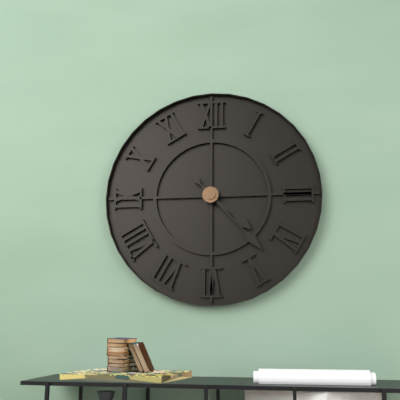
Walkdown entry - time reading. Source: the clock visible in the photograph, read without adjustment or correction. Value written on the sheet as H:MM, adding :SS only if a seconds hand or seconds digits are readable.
4:23
